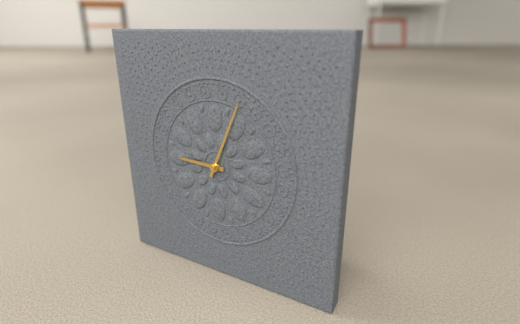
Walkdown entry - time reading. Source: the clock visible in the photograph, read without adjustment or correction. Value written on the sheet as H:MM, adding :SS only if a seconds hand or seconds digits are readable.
9:04
